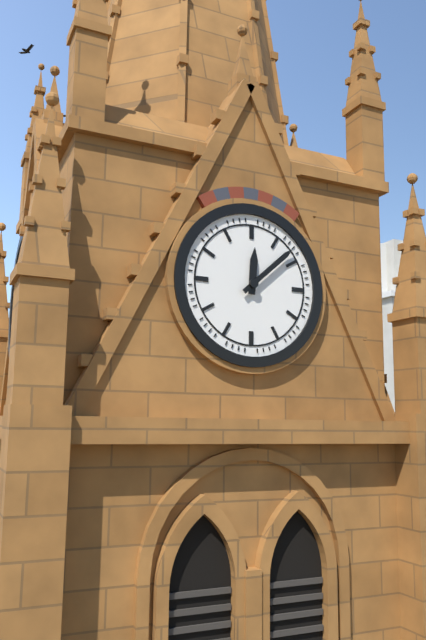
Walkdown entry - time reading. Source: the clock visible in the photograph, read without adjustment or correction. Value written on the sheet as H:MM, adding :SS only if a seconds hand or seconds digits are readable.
12:08
